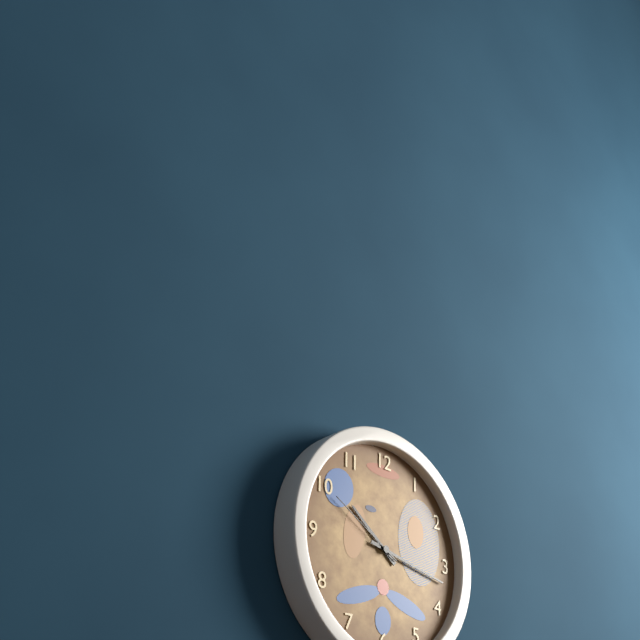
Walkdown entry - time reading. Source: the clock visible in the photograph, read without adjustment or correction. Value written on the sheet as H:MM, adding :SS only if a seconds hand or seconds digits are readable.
10:17:50
